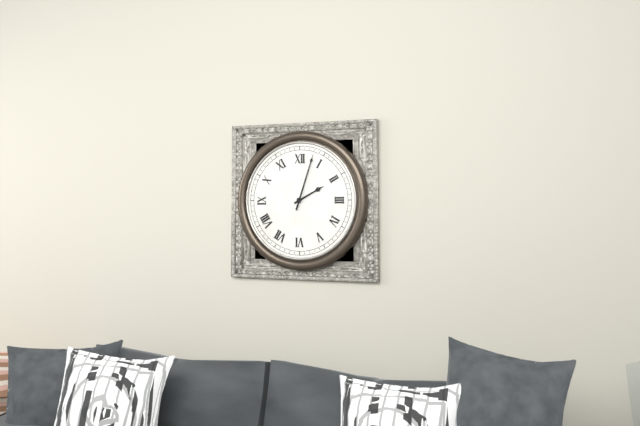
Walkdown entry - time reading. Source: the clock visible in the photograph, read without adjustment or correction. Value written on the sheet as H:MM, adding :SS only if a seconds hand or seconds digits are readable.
2:03
